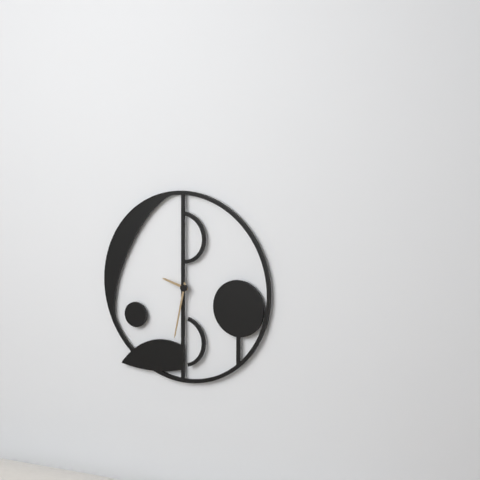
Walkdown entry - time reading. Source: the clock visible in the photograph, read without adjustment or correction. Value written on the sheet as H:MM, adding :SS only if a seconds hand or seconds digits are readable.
9:32
